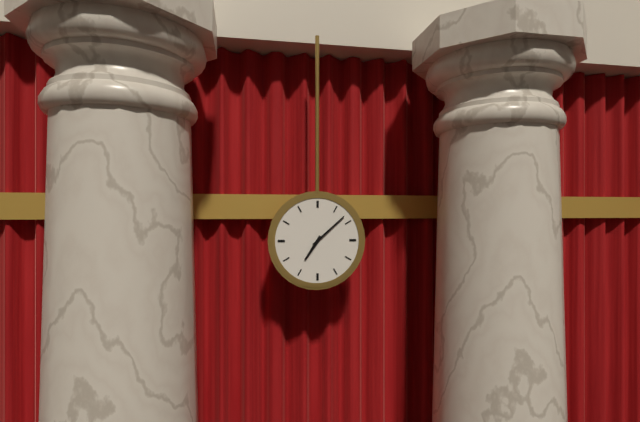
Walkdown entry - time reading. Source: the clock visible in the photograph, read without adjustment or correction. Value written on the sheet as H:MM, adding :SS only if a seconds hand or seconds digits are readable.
7:08
